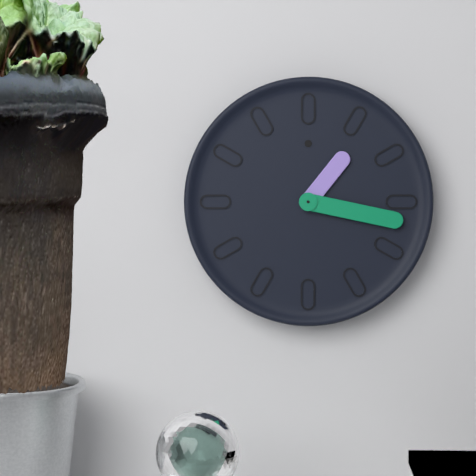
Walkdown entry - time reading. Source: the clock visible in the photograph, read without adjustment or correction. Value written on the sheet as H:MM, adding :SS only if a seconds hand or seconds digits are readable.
1:17
